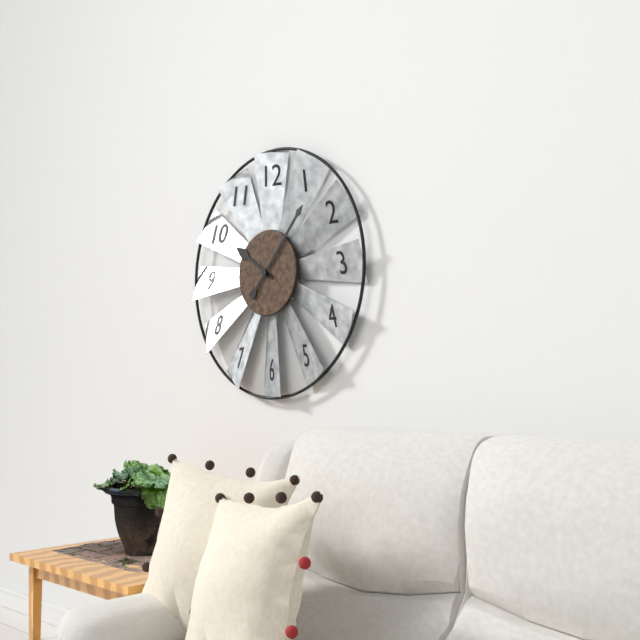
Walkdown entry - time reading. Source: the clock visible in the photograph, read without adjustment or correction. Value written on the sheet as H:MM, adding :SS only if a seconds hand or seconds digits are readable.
10:07
